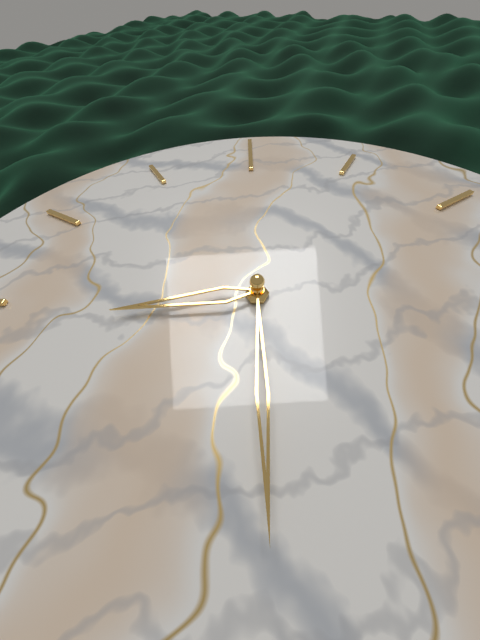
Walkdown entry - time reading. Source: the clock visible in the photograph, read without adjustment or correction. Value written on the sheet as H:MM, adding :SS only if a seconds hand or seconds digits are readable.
11:45
